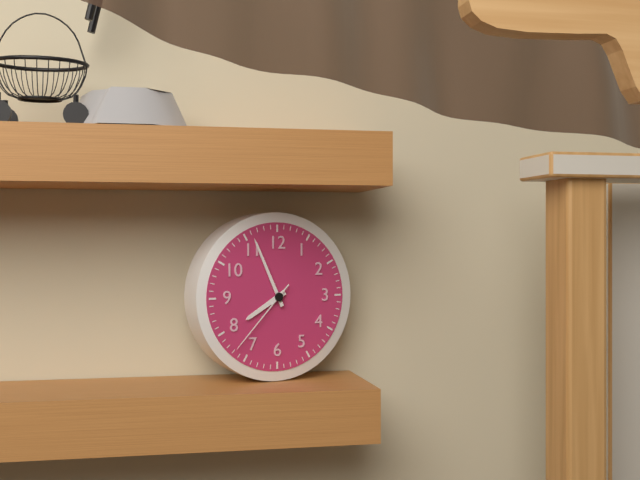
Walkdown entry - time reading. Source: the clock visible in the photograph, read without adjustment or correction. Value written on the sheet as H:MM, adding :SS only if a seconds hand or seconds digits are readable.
7:56:37
